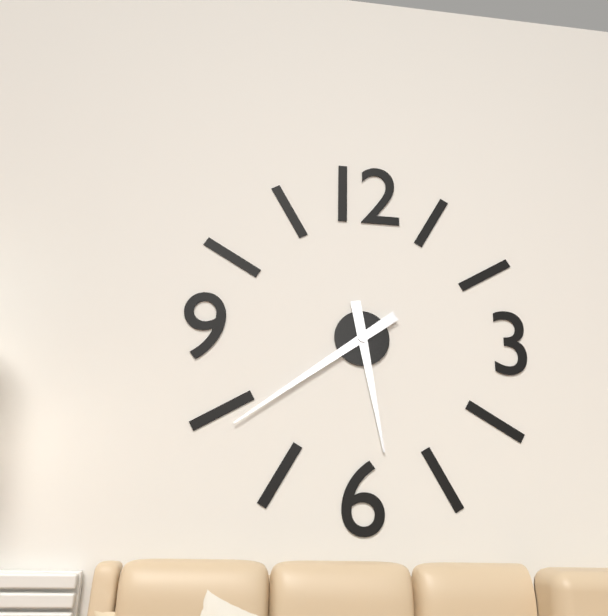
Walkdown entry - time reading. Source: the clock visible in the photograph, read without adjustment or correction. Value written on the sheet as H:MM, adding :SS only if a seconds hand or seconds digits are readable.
5:39
